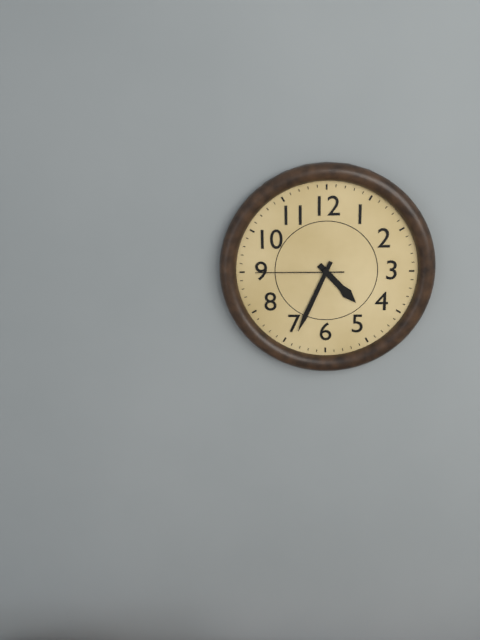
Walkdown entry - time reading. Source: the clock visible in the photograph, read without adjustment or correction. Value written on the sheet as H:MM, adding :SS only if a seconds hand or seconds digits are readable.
4:34:45
